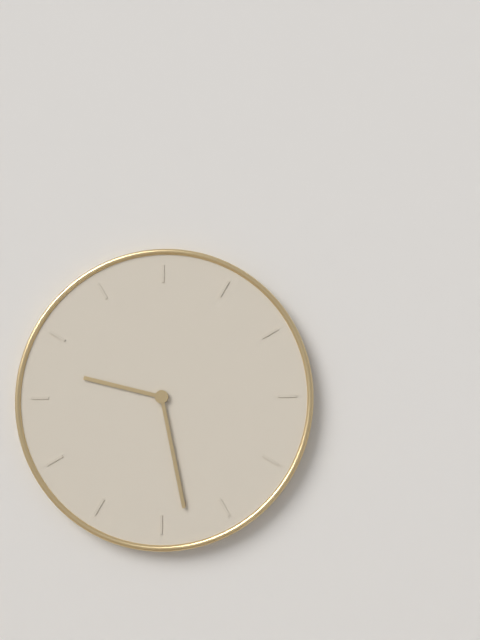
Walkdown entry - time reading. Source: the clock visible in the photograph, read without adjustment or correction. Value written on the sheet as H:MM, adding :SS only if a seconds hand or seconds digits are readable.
9:28
